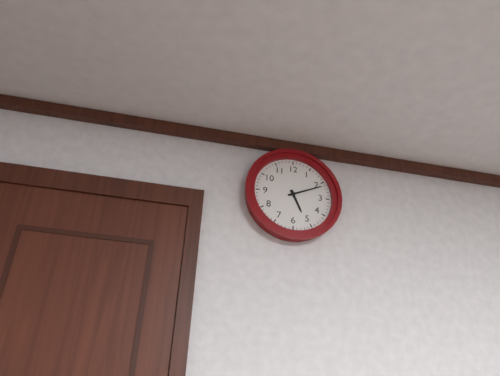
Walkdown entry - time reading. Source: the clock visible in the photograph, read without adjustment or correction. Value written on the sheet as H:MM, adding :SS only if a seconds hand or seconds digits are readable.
5:11
